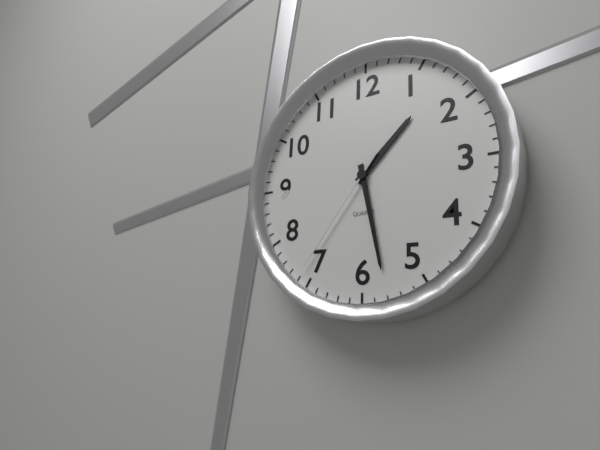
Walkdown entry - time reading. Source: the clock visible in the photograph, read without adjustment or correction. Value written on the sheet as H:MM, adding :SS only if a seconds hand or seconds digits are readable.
1:28:36
